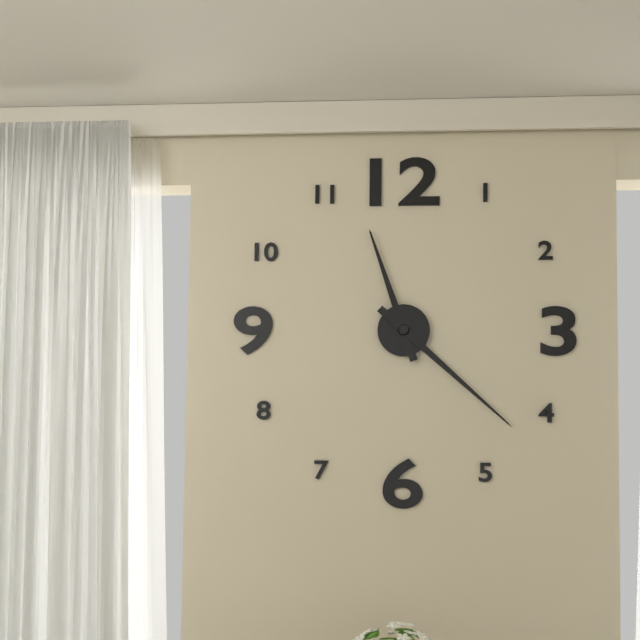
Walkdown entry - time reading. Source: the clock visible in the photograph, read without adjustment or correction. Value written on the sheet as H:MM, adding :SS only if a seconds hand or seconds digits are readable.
11:22
